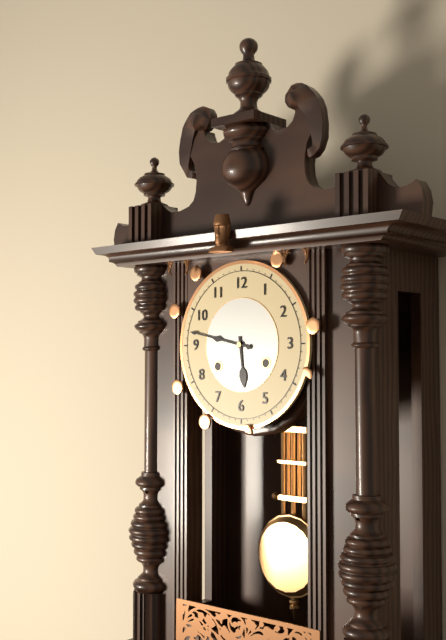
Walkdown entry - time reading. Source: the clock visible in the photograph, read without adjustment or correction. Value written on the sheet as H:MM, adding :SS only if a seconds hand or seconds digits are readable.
5:47
